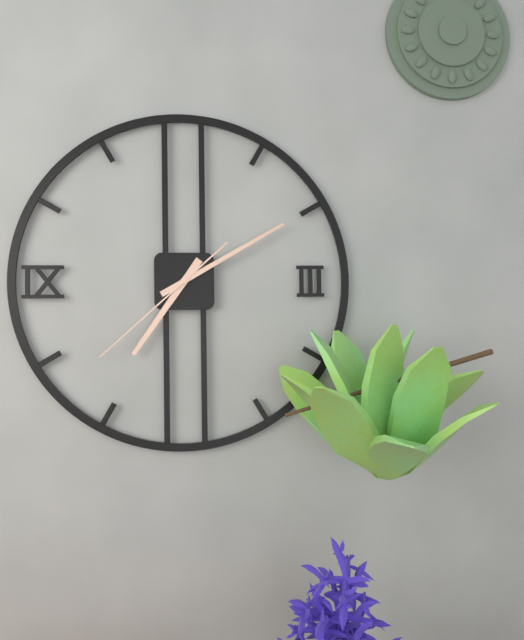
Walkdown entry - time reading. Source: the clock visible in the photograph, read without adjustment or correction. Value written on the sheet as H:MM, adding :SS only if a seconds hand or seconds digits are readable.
7:10:38
